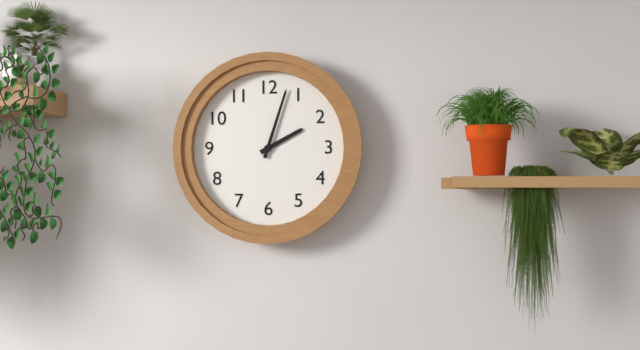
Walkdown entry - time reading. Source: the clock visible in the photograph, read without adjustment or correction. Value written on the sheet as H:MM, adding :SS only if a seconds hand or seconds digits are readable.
2:03
